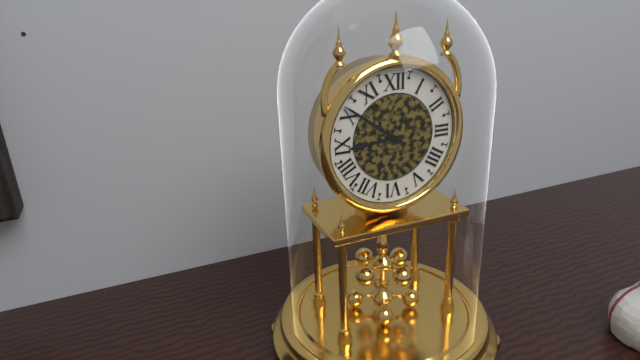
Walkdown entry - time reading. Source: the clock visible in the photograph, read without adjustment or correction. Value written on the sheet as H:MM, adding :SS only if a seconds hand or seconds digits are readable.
8:51
